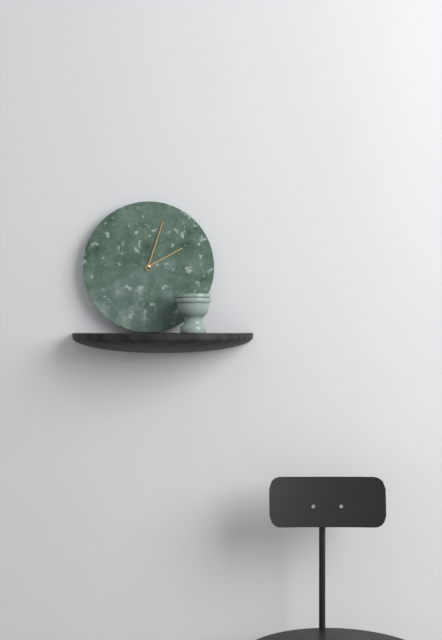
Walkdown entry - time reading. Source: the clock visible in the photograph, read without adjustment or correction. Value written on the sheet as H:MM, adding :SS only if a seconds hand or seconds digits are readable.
2:03
